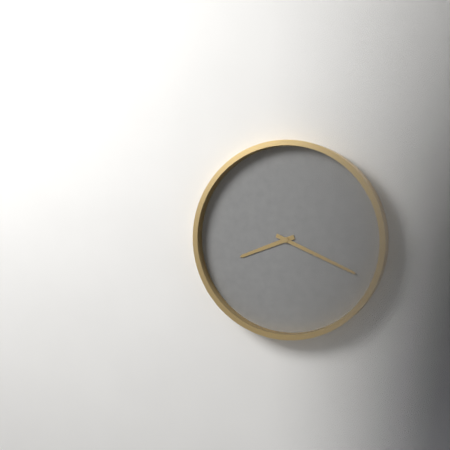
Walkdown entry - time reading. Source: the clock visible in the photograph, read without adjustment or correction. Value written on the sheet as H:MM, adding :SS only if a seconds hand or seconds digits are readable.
8:19
